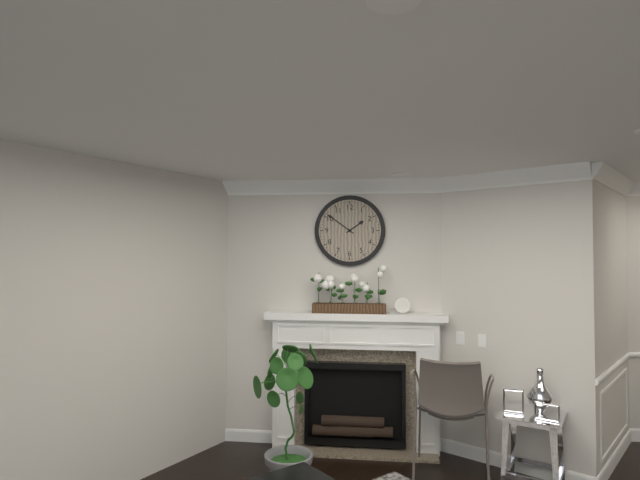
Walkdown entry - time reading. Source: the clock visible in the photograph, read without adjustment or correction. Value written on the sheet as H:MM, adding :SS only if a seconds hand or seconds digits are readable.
1:51
